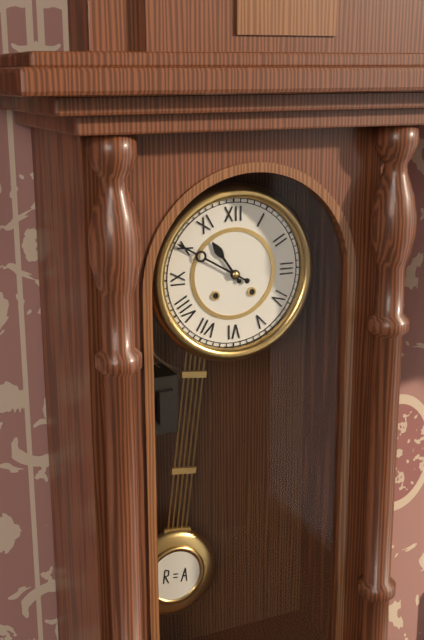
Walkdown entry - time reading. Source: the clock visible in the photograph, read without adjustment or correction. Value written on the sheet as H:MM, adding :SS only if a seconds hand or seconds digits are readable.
10:50
